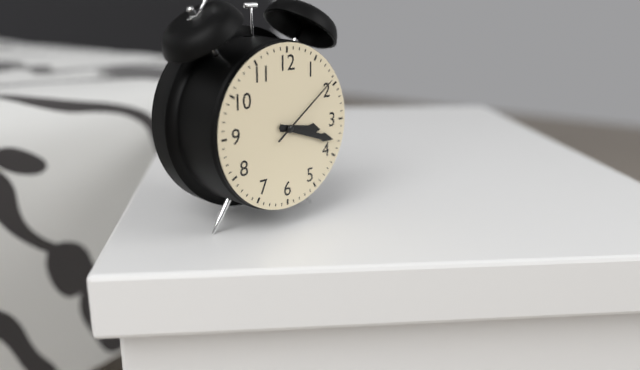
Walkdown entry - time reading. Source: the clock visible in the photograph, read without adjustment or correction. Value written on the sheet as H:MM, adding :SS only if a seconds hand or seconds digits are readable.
3:18:09
